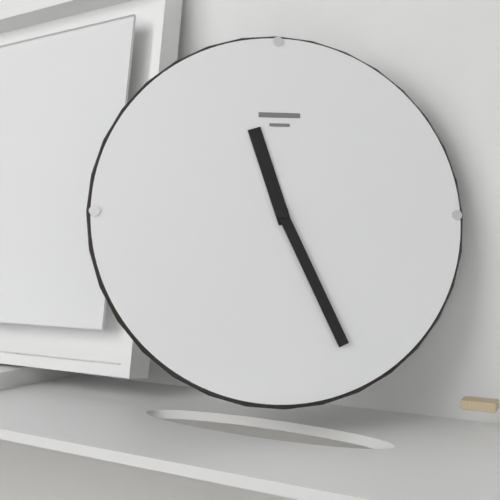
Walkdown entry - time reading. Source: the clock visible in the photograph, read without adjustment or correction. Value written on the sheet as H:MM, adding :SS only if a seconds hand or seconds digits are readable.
11:26
